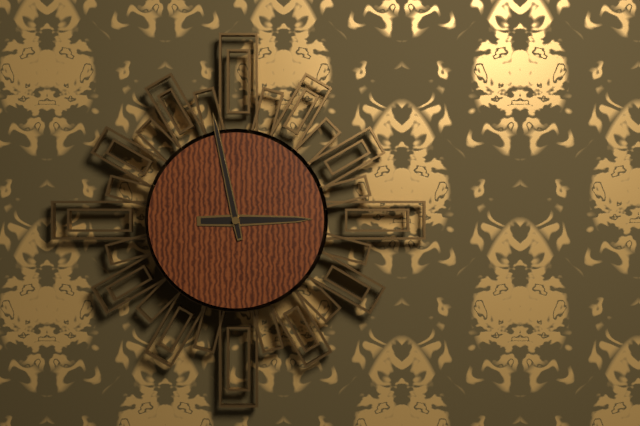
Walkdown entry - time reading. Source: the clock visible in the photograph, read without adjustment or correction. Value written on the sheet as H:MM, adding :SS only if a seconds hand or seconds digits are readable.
2:58
